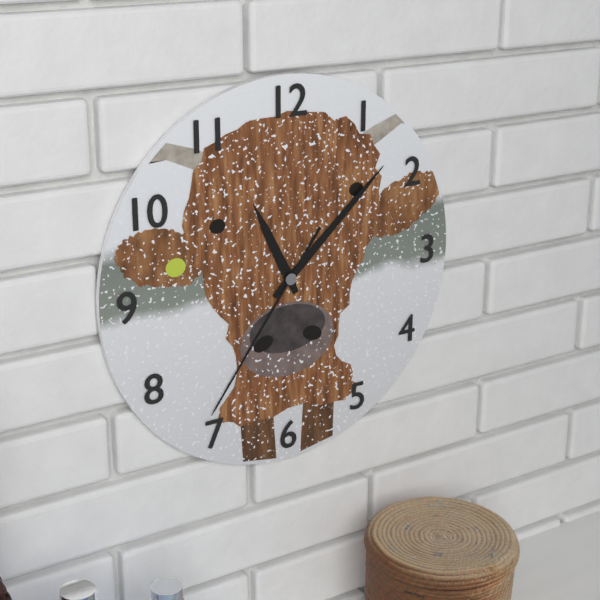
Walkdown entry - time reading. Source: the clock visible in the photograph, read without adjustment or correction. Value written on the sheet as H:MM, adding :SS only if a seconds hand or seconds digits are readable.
11:08:36
